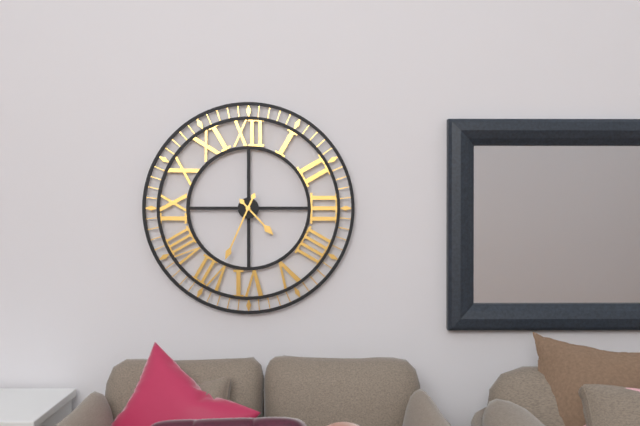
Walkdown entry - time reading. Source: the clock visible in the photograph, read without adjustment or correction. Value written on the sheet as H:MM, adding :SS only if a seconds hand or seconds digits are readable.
4:34
